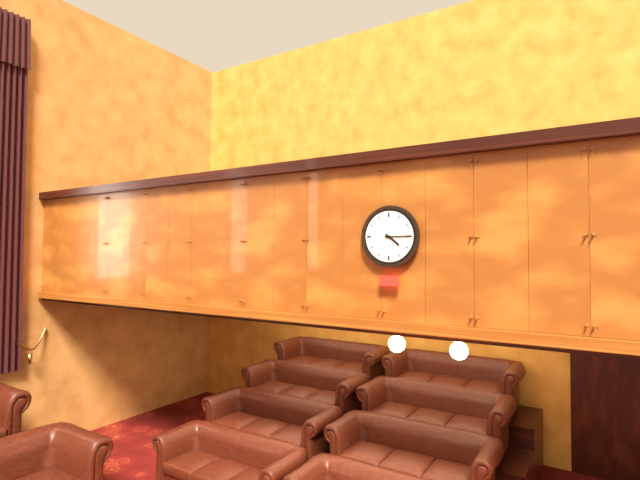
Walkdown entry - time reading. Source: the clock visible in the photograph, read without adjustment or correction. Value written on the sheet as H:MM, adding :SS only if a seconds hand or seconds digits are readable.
4:15
